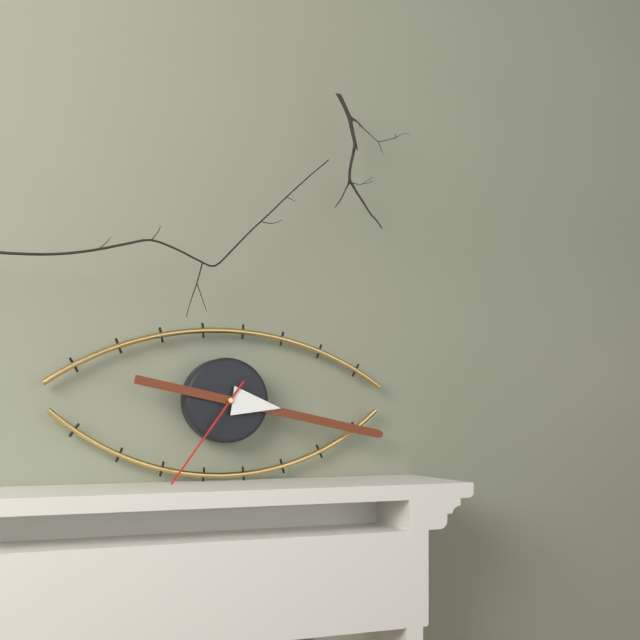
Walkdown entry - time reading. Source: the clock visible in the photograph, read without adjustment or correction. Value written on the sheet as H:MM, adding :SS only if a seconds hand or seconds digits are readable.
3:17:36
